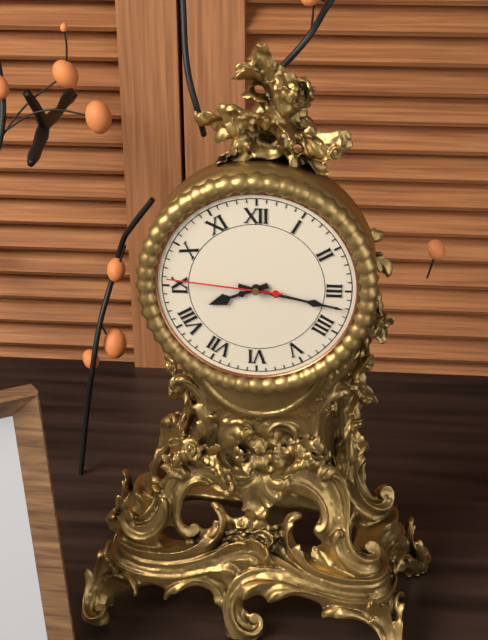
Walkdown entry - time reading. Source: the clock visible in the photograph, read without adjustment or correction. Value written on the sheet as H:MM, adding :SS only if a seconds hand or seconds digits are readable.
8:17:46
